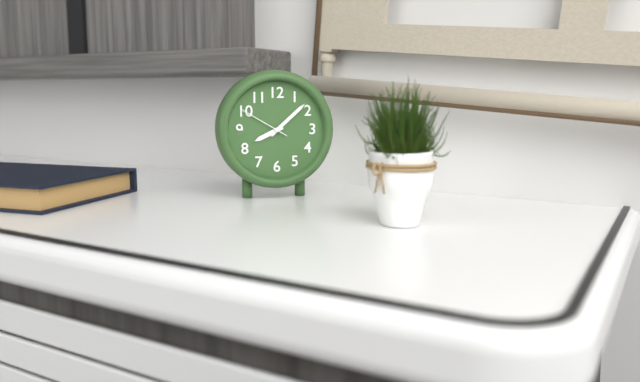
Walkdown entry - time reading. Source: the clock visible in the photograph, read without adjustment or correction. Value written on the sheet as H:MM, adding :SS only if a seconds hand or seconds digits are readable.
8:08:50
